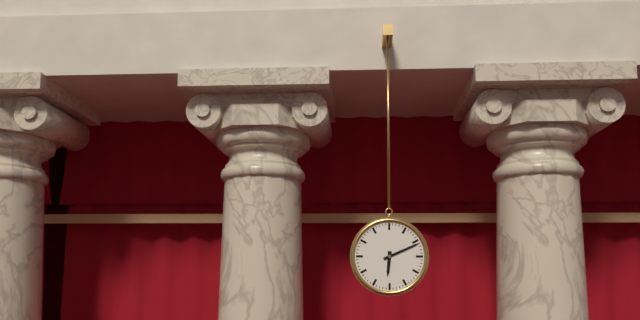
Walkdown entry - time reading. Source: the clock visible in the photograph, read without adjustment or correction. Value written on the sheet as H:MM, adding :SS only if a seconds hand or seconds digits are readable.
6:11
